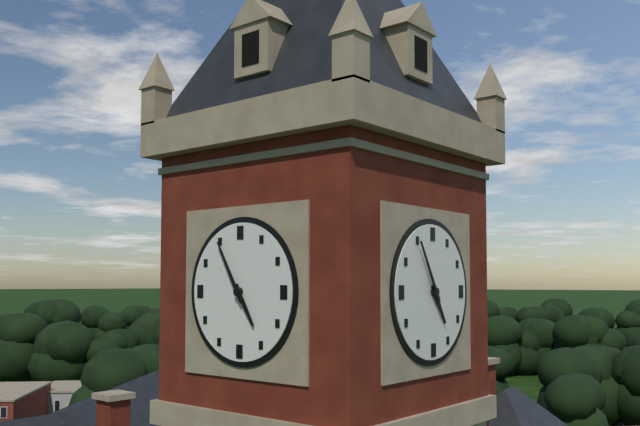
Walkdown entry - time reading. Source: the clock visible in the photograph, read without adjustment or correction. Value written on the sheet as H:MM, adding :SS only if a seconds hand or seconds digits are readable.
4:55
